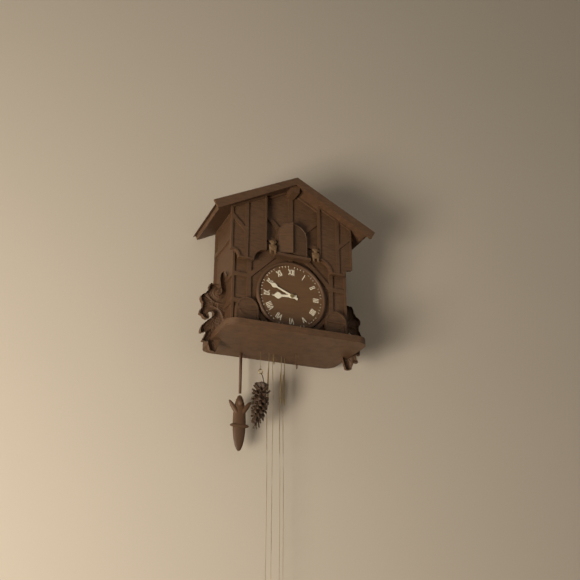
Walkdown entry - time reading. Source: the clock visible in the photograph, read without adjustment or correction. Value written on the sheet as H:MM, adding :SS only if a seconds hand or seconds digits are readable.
8:49
